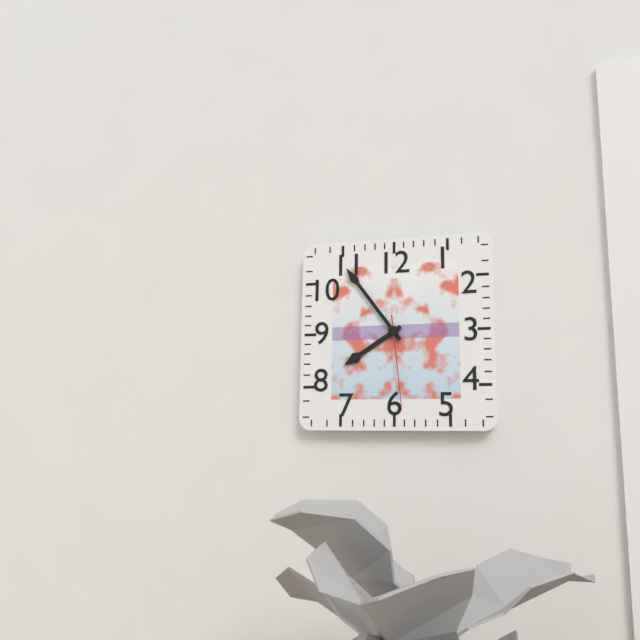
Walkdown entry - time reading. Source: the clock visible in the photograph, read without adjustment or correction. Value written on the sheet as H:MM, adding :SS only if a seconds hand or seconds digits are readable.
7:54:29
